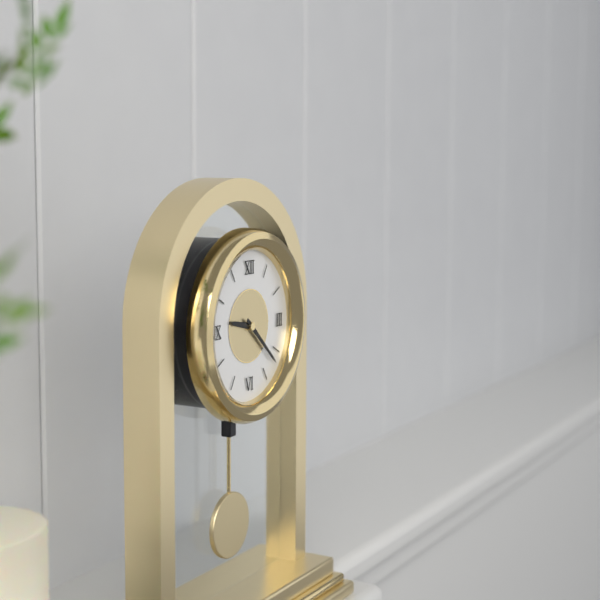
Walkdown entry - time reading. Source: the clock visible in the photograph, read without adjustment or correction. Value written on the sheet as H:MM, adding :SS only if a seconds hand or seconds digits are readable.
9:22
